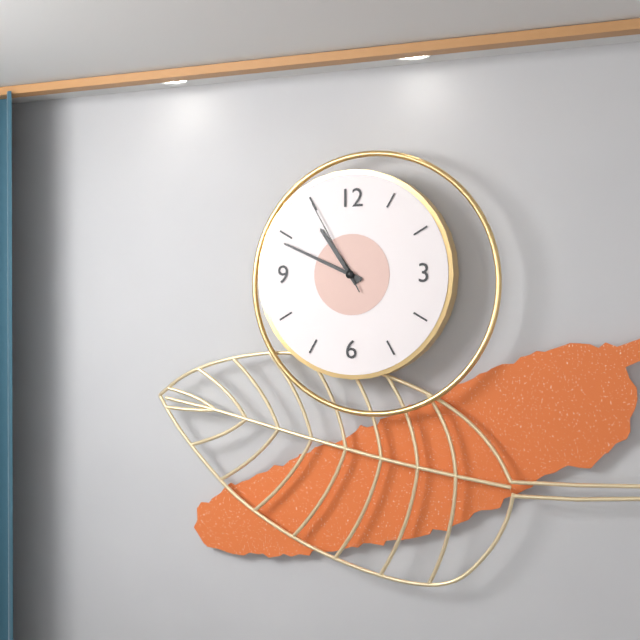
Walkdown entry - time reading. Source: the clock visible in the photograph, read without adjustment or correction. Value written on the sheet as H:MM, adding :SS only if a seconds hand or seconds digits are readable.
10:49:55
